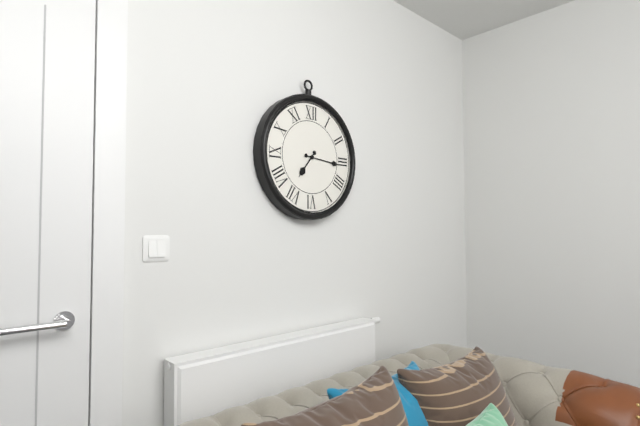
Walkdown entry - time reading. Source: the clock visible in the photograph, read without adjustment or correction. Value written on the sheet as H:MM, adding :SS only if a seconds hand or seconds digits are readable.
7:16
